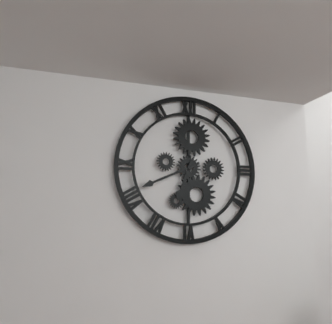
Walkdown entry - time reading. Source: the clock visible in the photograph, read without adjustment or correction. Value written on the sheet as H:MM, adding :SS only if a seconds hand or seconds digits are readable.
6:41
